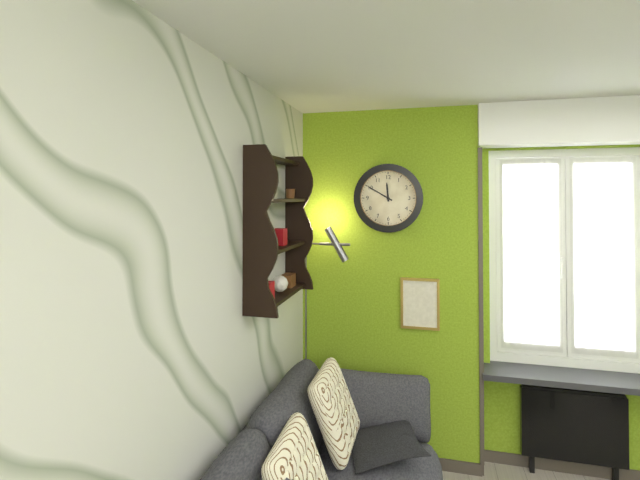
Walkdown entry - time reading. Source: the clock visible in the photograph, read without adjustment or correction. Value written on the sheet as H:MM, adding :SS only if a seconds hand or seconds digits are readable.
11:50
